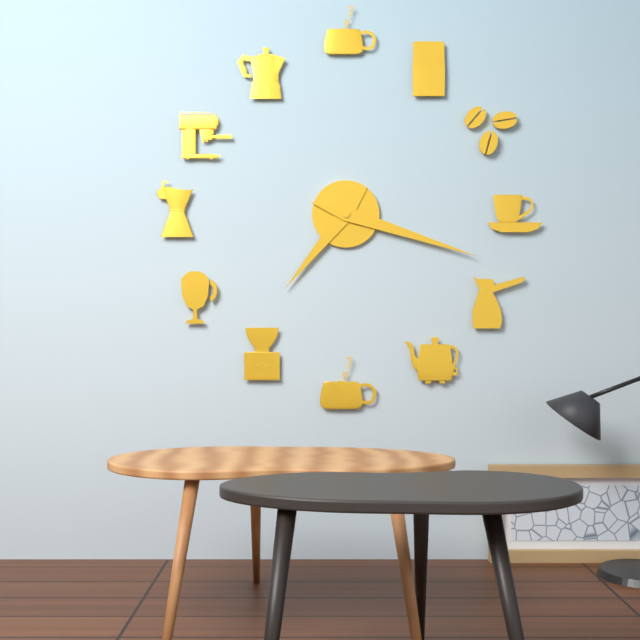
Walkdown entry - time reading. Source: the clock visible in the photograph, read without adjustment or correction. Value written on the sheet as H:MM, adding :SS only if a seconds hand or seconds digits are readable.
7:18
